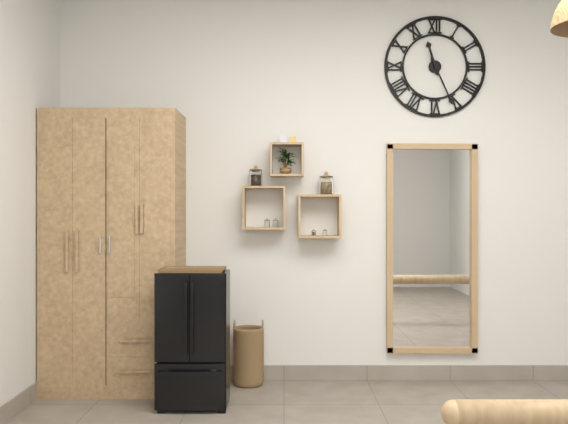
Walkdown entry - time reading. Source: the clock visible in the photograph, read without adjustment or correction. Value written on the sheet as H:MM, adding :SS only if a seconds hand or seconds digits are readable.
11:26
